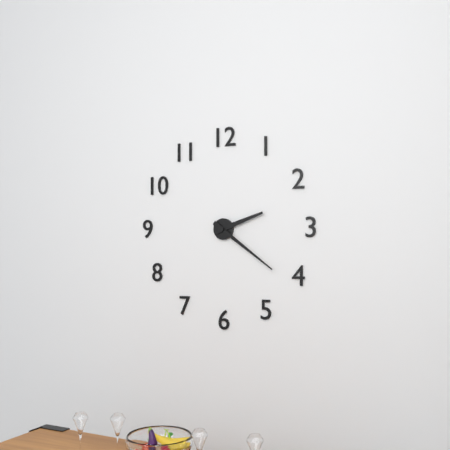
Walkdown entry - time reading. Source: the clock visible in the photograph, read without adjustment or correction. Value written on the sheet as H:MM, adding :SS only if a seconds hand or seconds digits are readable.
2:21
